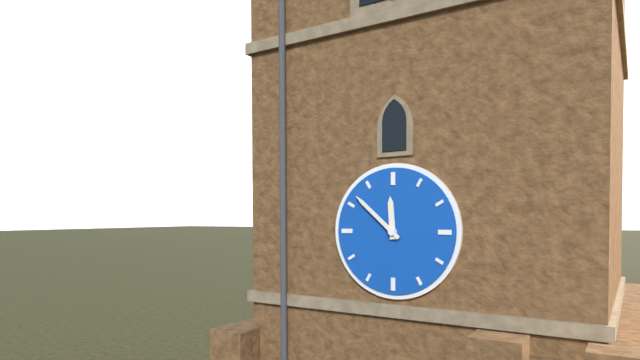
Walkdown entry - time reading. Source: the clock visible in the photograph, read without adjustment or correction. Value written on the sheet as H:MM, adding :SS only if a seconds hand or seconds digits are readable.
11:52
